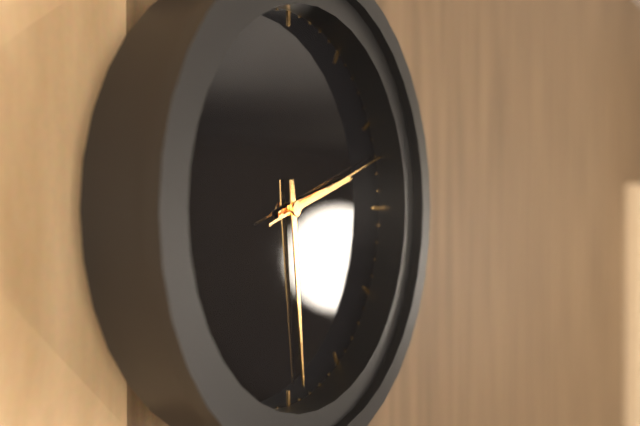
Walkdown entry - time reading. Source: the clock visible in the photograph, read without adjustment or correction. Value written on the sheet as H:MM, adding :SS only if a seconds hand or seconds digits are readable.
2:29:12
